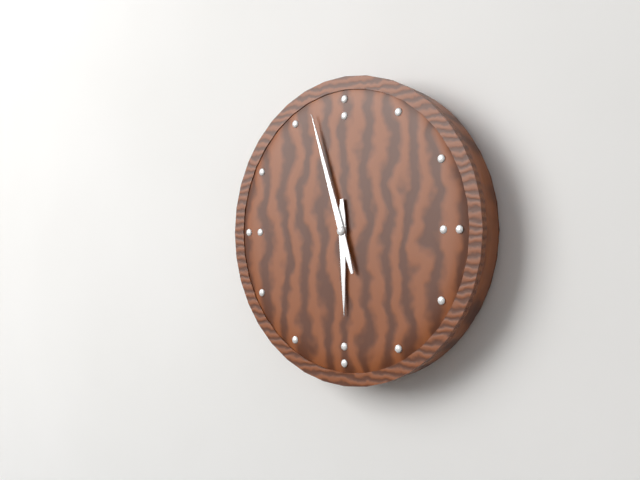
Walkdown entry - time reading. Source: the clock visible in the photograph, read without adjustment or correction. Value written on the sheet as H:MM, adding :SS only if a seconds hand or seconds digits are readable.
5:57
